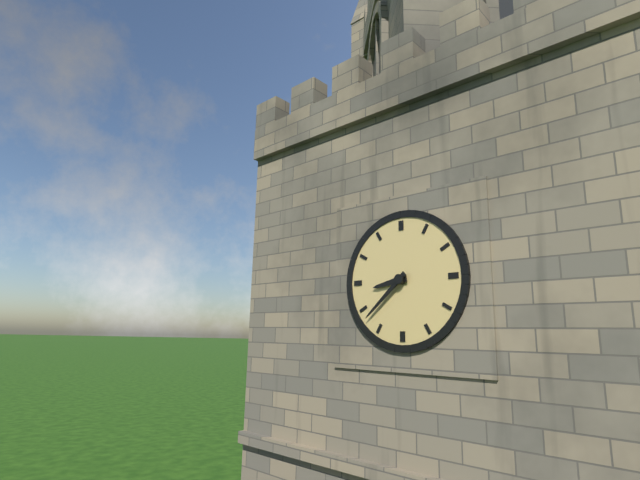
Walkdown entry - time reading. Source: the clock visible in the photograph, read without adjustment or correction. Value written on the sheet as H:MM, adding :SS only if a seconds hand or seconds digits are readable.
8:38
